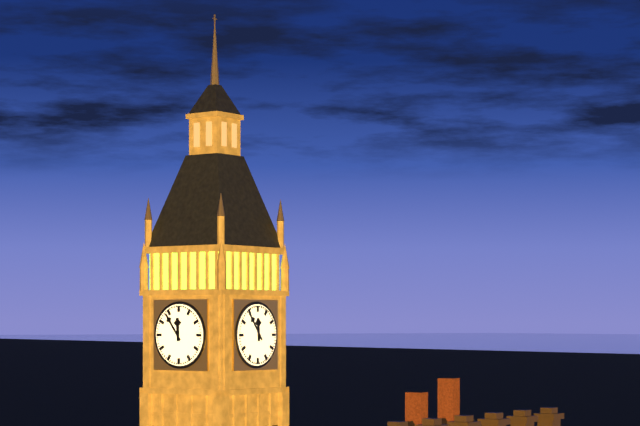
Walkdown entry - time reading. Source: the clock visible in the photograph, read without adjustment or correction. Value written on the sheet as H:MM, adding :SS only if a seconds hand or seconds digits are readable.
11:54
